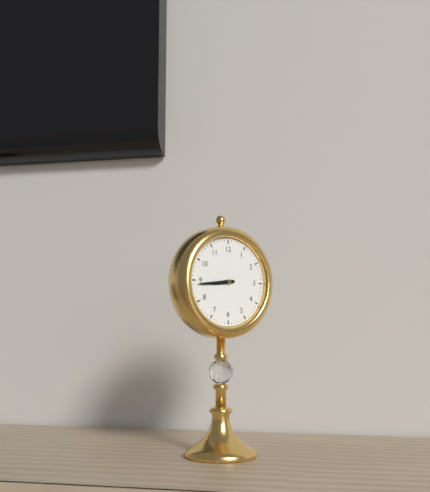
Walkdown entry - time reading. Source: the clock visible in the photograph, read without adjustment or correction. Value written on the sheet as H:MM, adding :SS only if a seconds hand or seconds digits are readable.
8:44
